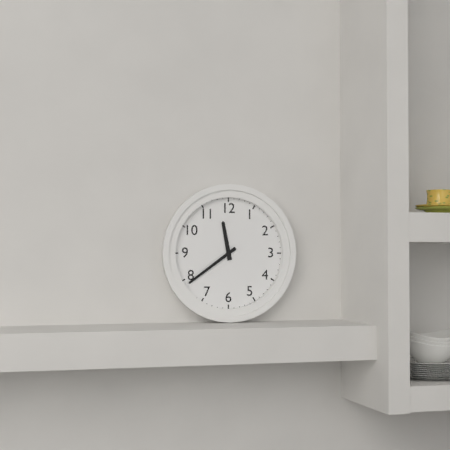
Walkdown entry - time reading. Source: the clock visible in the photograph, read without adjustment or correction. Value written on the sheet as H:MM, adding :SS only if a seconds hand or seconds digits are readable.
11:39
